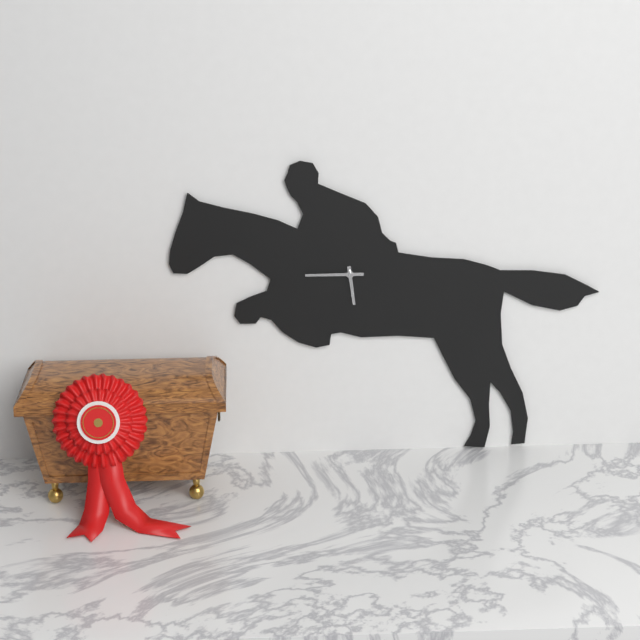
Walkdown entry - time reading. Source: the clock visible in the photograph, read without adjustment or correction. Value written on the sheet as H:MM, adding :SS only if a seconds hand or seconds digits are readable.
5:45
